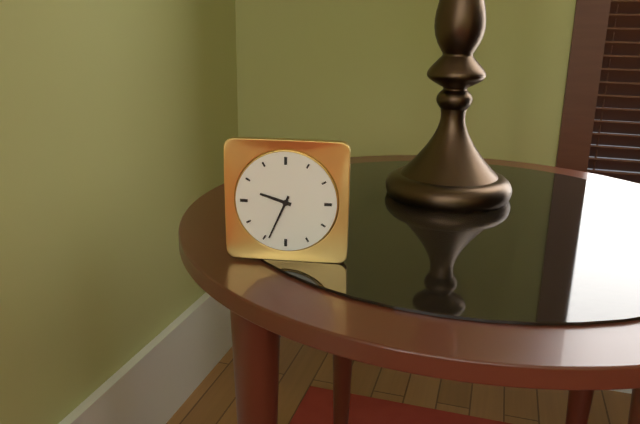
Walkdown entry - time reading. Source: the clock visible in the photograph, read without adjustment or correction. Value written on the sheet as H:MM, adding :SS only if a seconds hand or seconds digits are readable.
9:34
